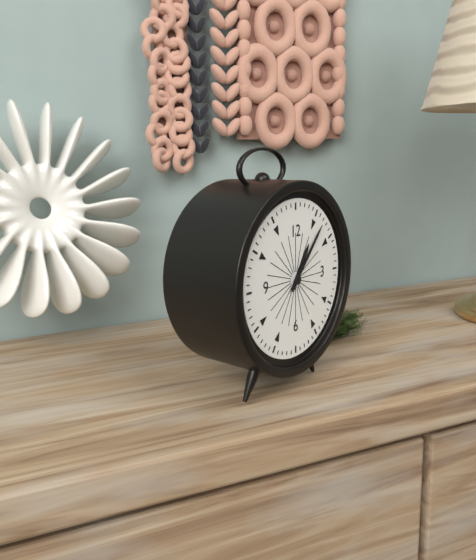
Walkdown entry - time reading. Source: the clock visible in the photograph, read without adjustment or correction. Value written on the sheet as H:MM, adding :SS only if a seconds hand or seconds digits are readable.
1:07
